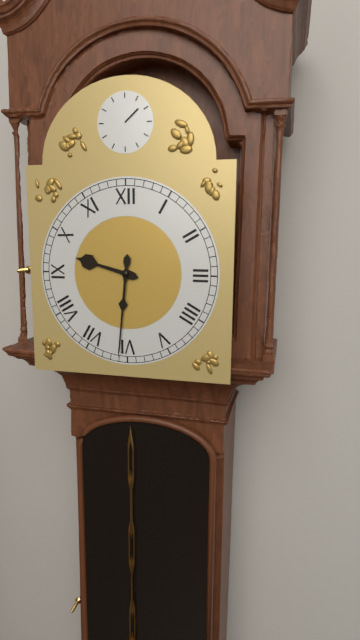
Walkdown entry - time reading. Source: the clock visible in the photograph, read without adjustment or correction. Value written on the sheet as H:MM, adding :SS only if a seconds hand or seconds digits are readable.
9:31
